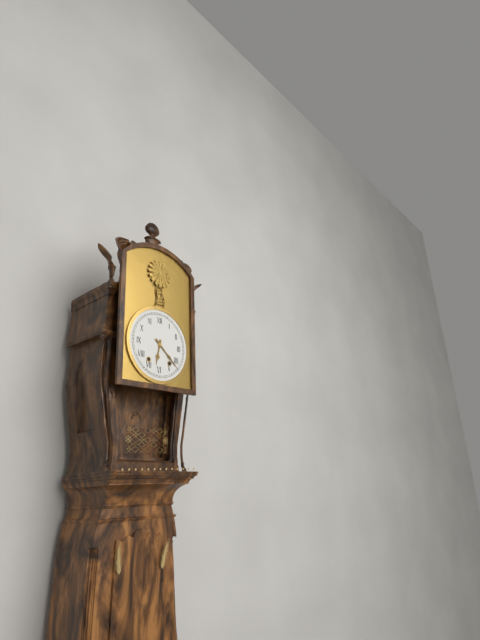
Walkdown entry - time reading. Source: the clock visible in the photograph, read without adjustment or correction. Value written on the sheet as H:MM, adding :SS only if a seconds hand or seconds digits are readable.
6:22
